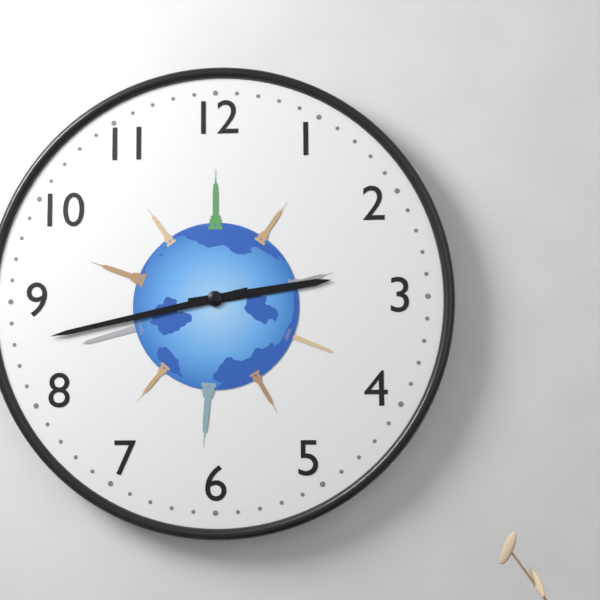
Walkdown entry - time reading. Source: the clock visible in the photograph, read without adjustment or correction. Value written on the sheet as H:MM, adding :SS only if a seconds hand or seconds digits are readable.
2:43
